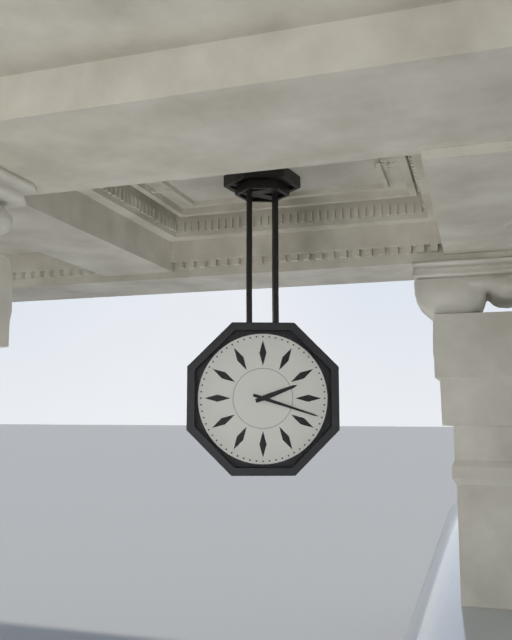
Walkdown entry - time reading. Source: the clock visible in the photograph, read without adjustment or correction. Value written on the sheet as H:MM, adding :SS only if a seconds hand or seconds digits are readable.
2:18
